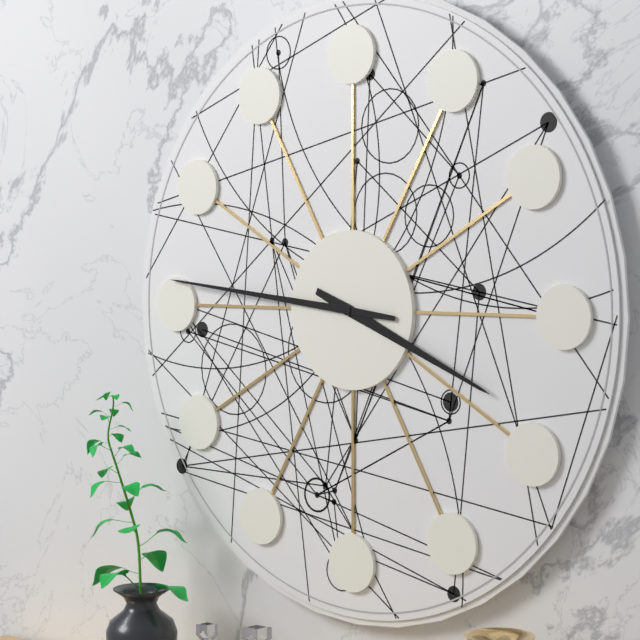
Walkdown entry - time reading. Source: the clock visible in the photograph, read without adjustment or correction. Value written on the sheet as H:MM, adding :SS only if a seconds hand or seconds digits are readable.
3:46
